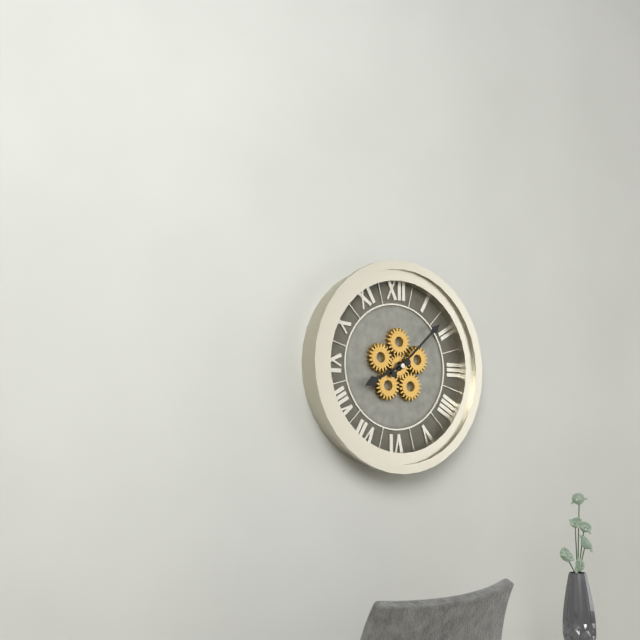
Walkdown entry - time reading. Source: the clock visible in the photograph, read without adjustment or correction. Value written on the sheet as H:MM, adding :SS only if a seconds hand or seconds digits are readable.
8:08
